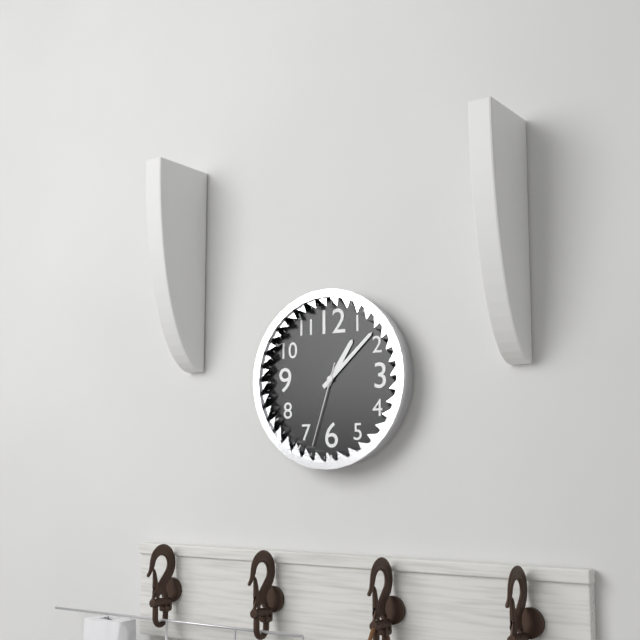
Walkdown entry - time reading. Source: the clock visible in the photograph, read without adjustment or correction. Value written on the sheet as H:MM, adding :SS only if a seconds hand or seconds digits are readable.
1:08:33
